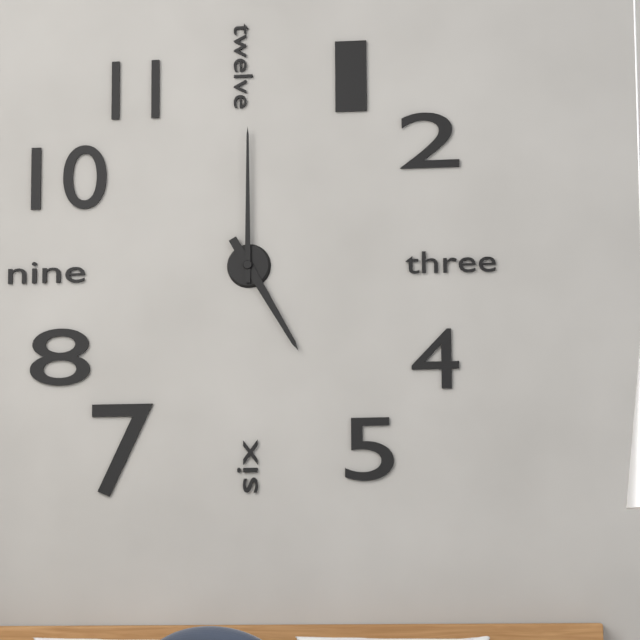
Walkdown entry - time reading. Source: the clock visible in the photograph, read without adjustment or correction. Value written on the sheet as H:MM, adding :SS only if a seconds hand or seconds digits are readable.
5:00
